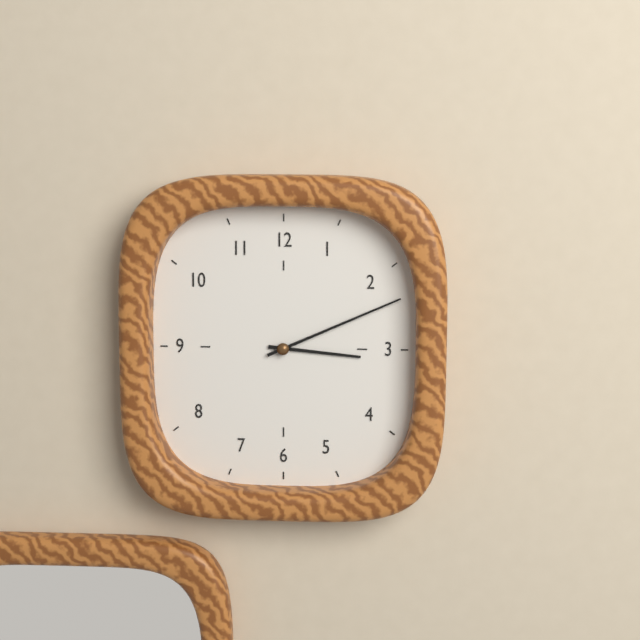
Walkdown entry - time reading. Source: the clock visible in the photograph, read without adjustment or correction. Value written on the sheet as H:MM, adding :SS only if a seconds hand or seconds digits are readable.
3:11
